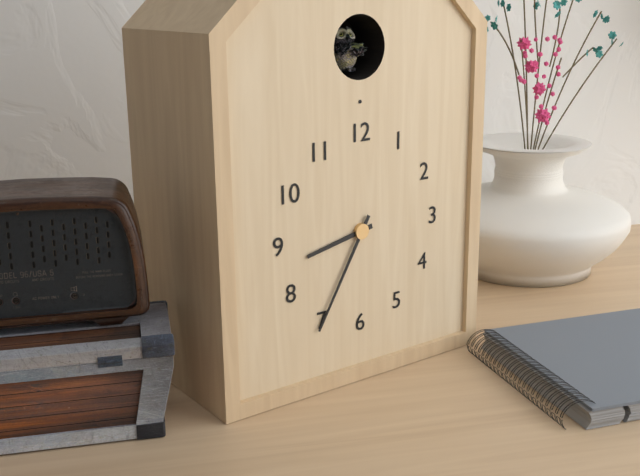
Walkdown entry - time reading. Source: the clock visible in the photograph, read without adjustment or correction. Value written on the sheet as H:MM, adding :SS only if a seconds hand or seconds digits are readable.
8:35
